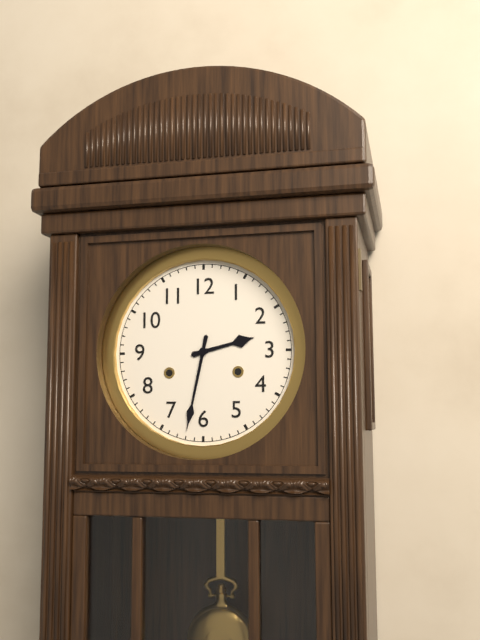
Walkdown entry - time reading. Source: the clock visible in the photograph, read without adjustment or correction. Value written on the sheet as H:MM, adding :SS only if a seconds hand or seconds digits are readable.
2:32
